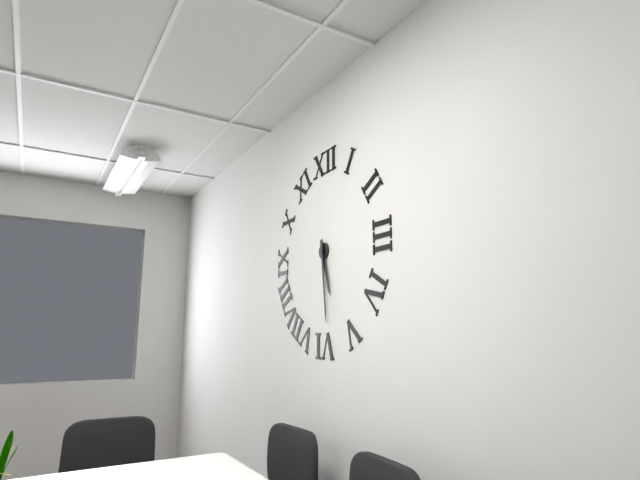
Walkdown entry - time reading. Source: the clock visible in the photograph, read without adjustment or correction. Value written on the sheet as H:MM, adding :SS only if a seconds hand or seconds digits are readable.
5:29
